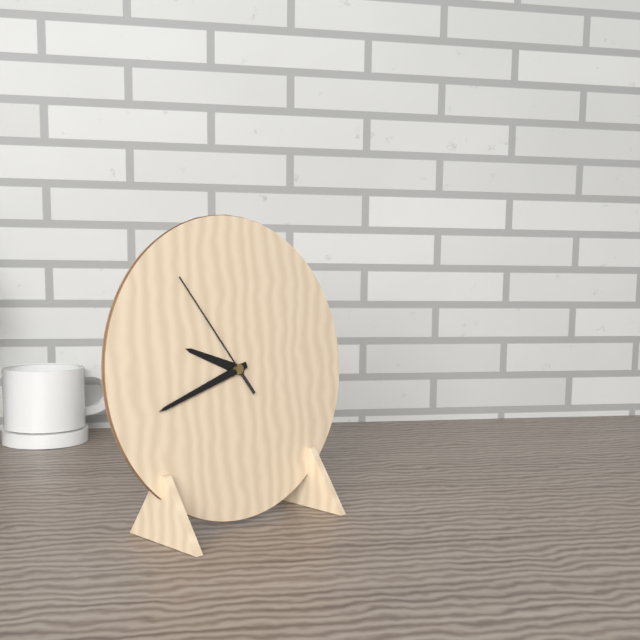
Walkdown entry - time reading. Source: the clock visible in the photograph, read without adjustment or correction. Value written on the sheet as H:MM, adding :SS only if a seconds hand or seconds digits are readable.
9:42:54
